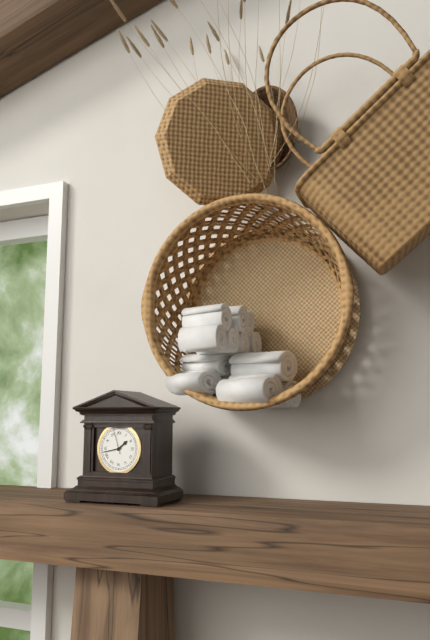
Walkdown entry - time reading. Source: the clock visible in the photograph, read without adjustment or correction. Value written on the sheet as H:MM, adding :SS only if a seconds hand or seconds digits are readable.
1:43
